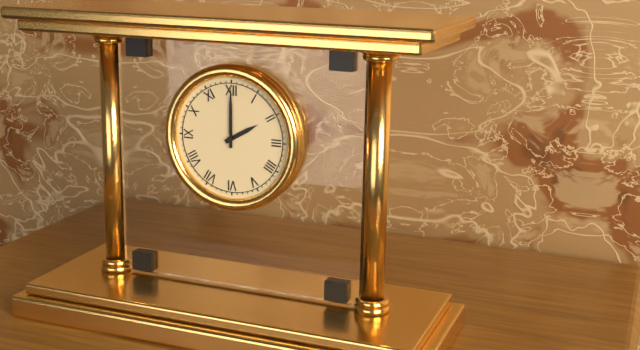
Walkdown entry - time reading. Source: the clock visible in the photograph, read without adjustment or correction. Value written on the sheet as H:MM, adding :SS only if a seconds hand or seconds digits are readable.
2:00
